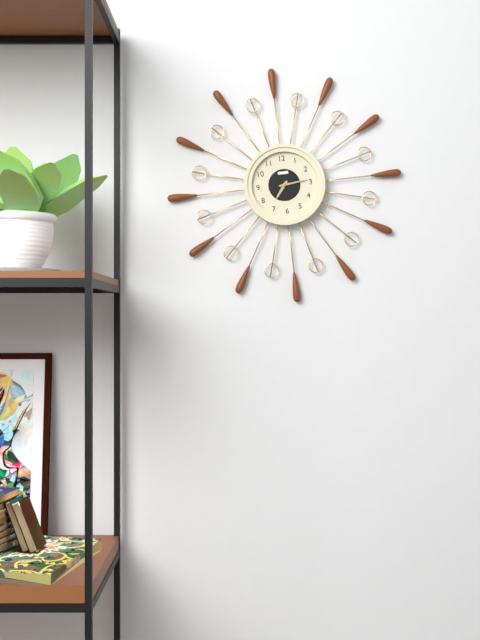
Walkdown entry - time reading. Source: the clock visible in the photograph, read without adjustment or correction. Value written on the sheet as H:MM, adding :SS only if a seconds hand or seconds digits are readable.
7:14
